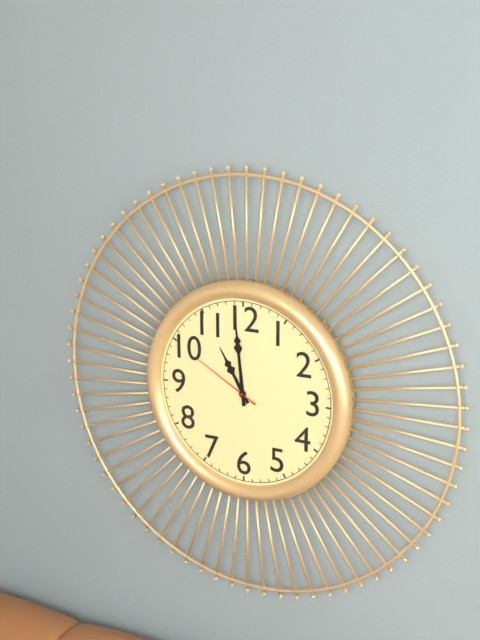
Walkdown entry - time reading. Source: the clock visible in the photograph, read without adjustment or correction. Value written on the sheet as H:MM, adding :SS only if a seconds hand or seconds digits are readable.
10:59:50
